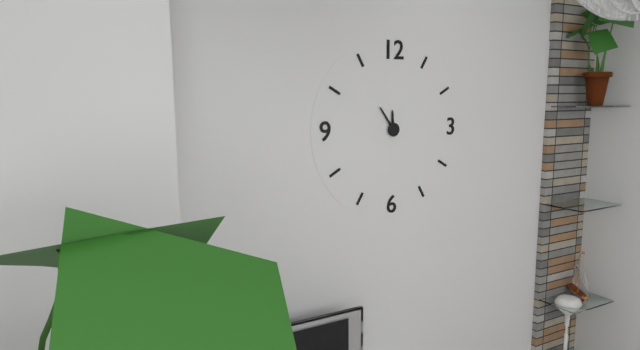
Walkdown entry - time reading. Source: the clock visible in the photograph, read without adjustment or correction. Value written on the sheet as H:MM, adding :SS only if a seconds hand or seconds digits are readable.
11:54
